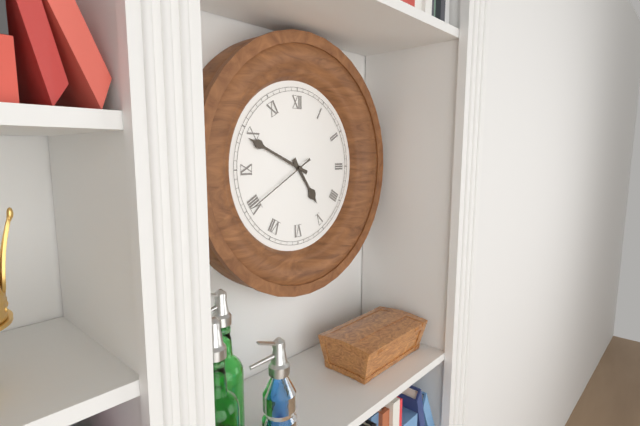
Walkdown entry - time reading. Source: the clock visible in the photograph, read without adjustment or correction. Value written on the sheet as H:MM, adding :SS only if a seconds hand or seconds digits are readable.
4:49:40
